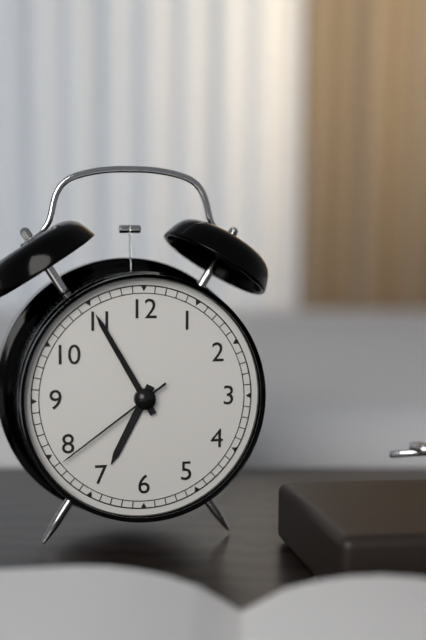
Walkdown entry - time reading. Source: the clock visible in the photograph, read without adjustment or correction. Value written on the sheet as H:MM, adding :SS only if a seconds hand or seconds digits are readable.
6:55:39
